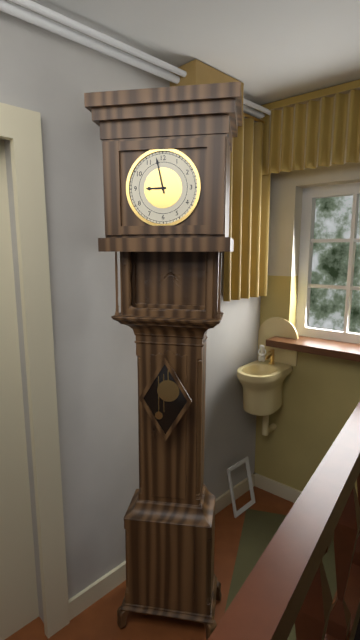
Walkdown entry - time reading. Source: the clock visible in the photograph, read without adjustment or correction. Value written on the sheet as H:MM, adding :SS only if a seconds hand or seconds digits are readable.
8:58
